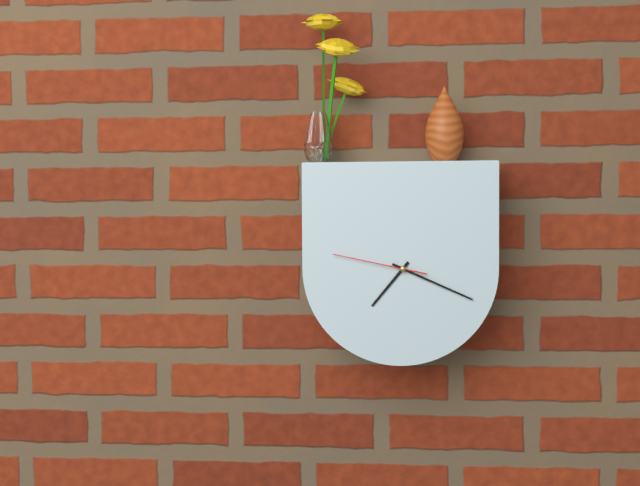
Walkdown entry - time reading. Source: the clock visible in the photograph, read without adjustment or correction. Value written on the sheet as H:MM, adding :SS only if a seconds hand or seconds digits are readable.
7:19:47
